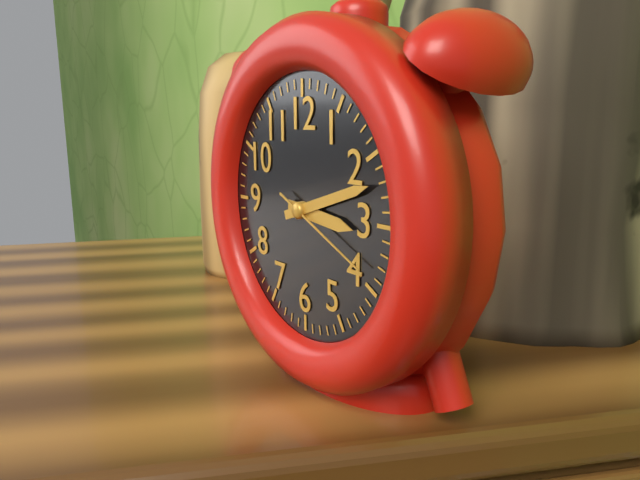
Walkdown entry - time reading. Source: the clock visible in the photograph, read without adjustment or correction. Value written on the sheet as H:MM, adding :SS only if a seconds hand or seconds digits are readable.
3:12:19
